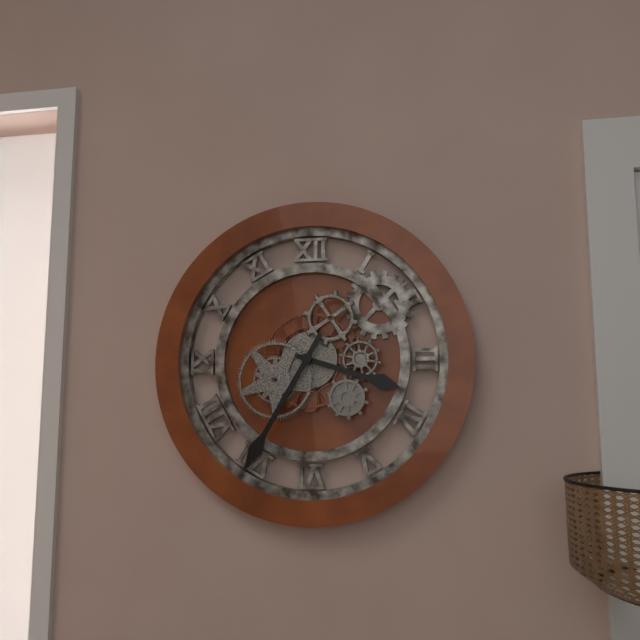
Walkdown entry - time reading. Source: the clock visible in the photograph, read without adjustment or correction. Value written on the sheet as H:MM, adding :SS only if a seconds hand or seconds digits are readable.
3:35
